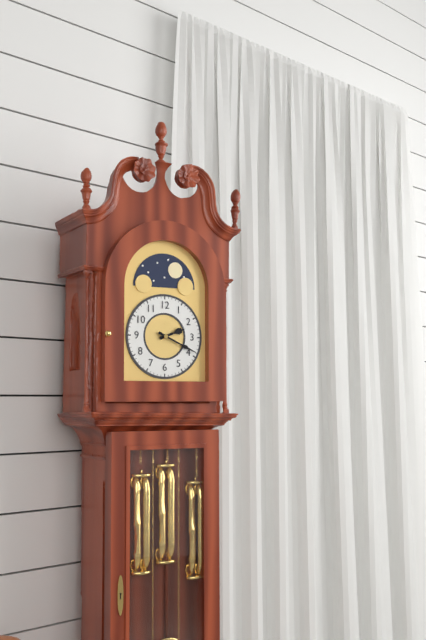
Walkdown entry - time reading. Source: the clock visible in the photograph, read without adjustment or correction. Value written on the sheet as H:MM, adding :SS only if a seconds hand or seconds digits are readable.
2:19
